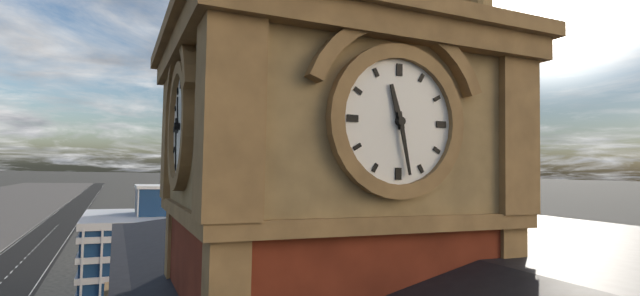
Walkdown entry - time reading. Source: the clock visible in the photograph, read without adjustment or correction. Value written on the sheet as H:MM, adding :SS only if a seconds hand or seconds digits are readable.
11:28
